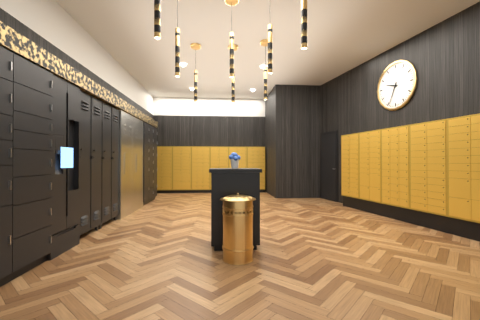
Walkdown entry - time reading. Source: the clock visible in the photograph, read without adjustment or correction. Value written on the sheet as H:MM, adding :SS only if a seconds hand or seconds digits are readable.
9:34
